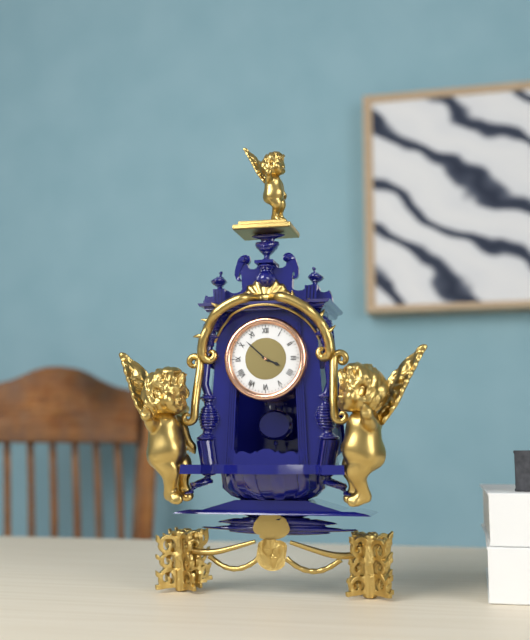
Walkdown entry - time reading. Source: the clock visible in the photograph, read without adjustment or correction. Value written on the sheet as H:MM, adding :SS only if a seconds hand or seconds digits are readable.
3:52
